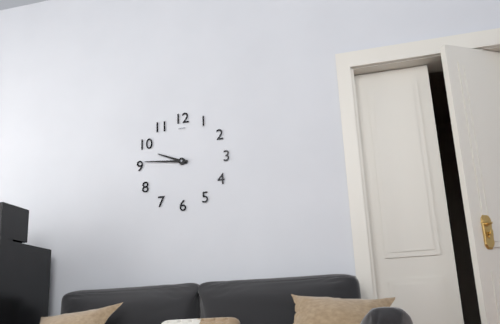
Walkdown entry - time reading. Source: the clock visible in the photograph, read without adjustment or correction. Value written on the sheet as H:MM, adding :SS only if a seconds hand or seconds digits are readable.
9:46
